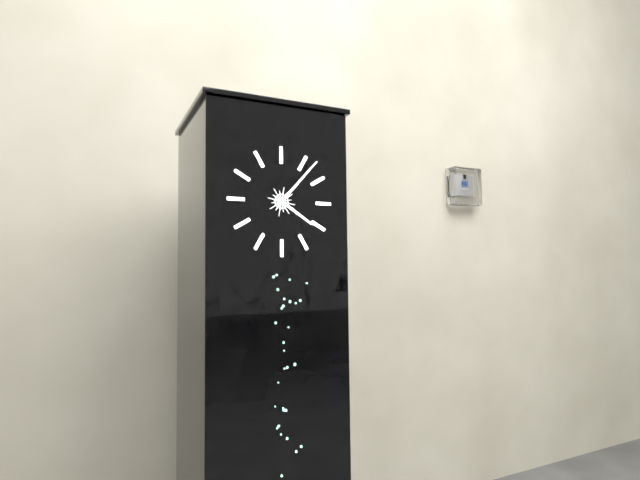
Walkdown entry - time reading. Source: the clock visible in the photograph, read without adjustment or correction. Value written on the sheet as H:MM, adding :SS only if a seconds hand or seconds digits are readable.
4:07
